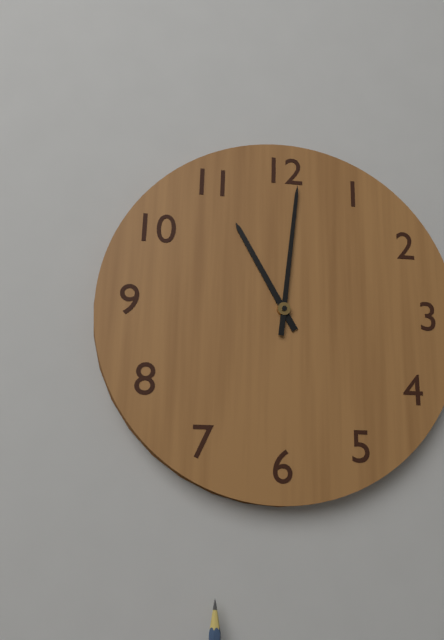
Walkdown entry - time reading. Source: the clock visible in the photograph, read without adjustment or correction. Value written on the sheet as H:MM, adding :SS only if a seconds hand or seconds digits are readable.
11:01
